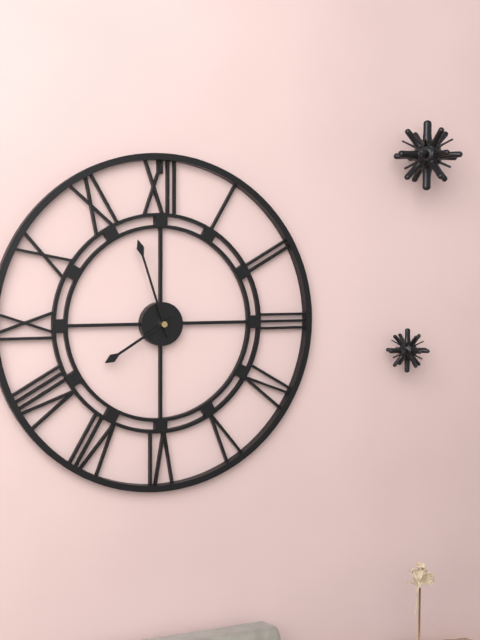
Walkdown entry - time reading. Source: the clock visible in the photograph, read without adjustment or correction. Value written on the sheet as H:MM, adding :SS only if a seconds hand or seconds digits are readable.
7:57
